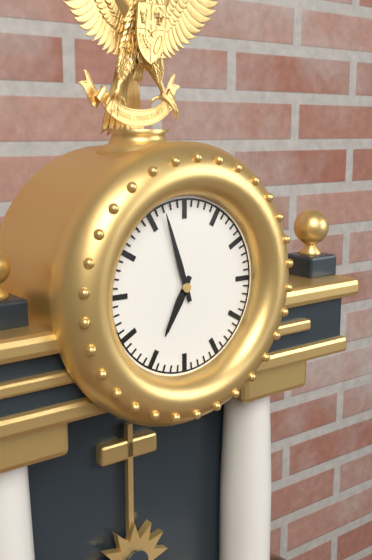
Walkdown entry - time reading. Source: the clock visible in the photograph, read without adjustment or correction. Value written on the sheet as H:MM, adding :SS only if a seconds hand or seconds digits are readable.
6:57
